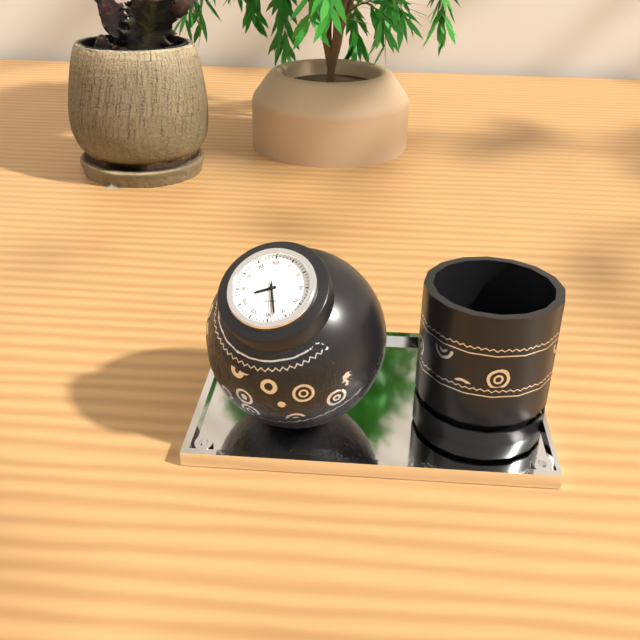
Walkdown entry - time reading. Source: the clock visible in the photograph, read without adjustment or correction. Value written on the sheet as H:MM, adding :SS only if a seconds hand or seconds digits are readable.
8:28
